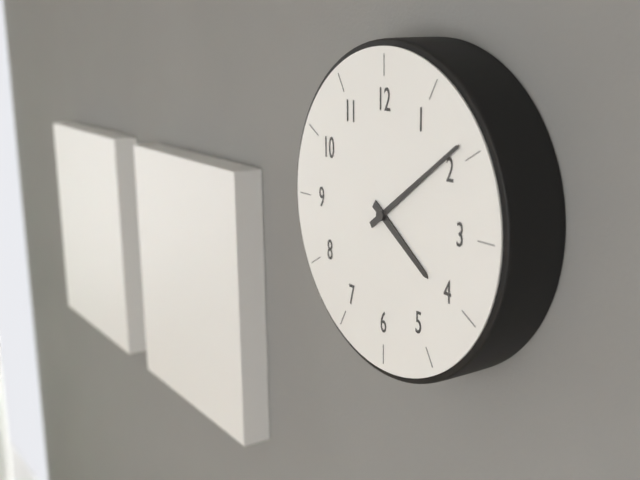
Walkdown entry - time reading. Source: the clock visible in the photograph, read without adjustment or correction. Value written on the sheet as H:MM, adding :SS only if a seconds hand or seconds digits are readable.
4:09
